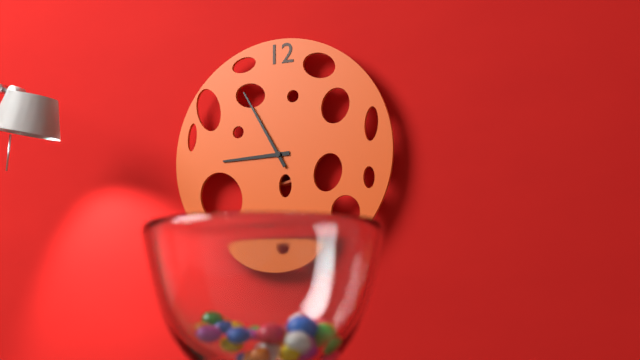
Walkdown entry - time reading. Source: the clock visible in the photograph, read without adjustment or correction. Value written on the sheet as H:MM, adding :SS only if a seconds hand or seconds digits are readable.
8:55
